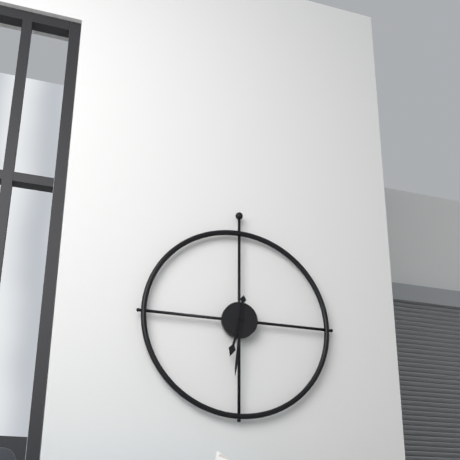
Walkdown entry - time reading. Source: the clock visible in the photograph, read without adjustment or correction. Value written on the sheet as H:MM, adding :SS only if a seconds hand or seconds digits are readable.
6:31
